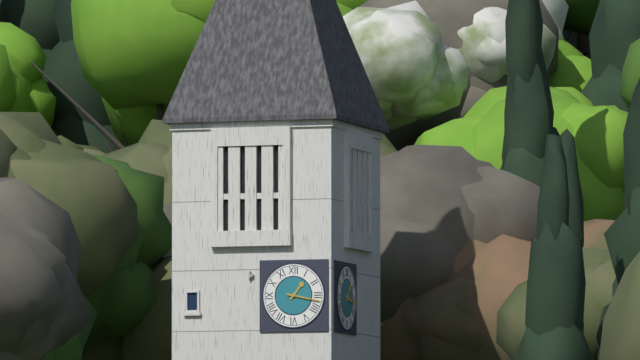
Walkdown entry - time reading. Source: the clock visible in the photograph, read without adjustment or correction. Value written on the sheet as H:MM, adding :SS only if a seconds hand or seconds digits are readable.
1:17
